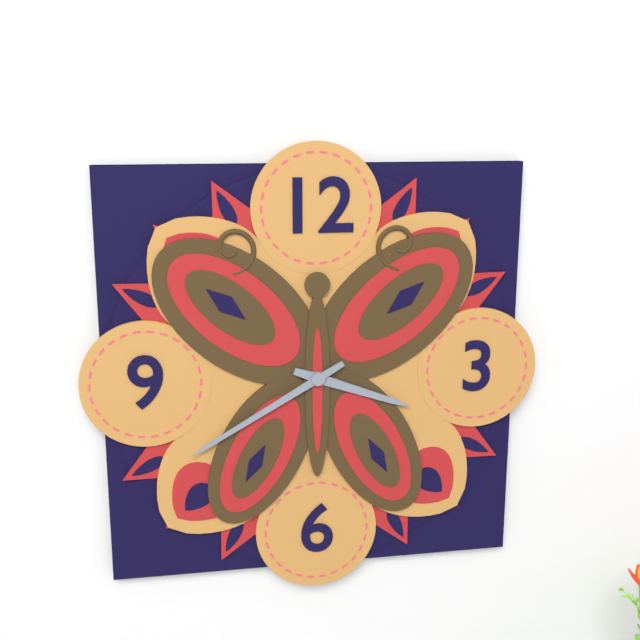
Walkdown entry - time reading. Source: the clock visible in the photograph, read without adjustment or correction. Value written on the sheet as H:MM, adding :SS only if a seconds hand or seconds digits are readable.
3:40
